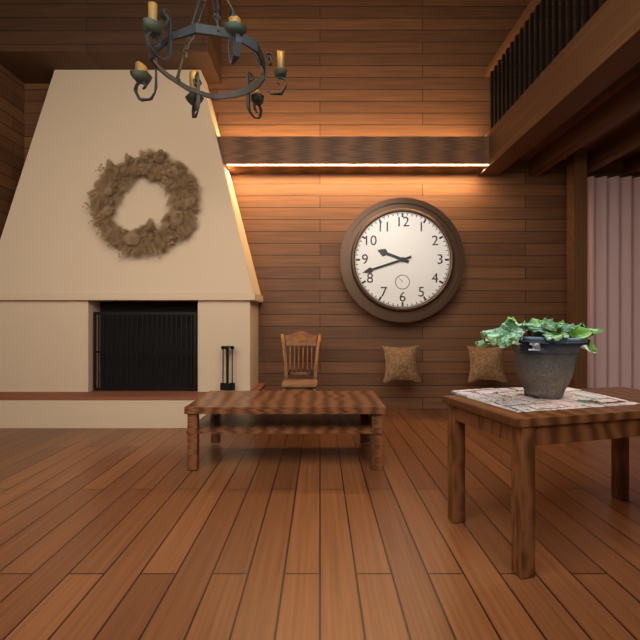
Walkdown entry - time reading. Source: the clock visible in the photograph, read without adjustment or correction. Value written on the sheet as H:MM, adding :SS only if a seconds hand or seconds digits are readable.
9:42
